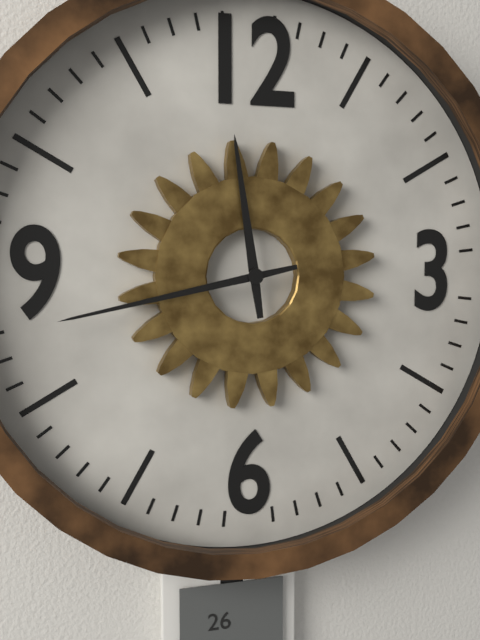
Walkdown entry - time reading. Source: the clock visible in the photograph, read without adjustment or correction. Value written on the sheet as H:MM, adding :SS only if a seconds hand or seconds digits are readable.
11:43
